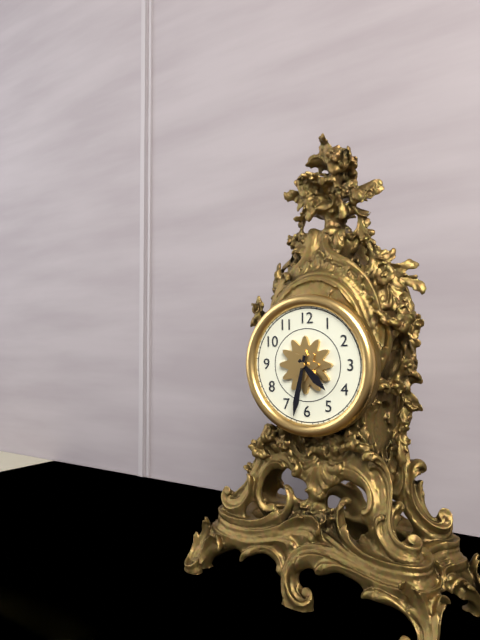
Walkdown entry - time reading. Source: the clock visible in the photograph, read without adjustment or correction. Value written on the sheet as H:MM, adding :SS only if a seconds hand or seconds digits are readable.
4:32
